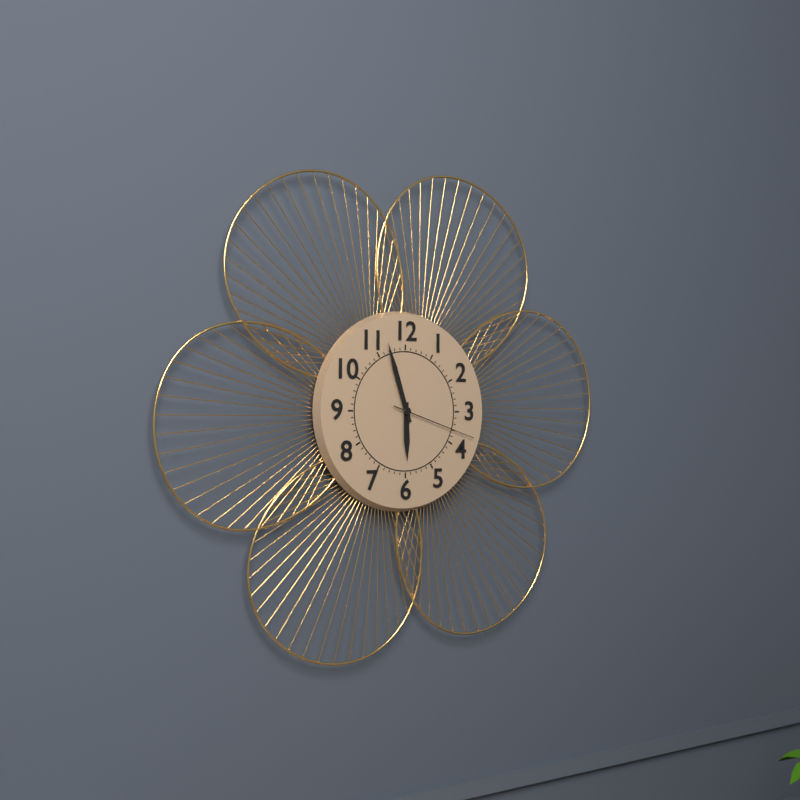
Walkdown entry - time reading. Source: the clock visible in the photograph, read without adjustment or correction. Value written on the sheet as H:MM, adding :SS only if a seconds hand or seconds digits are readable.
5:57:18
